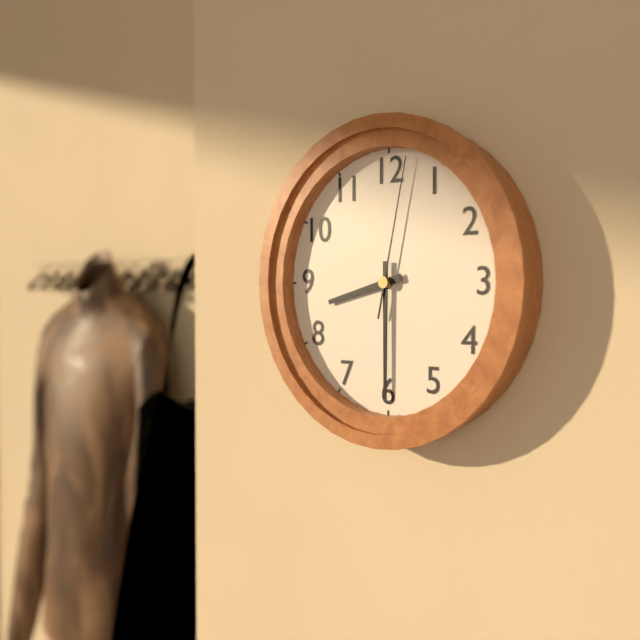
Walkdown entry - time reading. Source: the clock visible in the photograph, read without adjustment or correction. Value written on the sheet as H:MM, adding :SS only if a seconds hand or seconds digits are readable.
8:30:02
